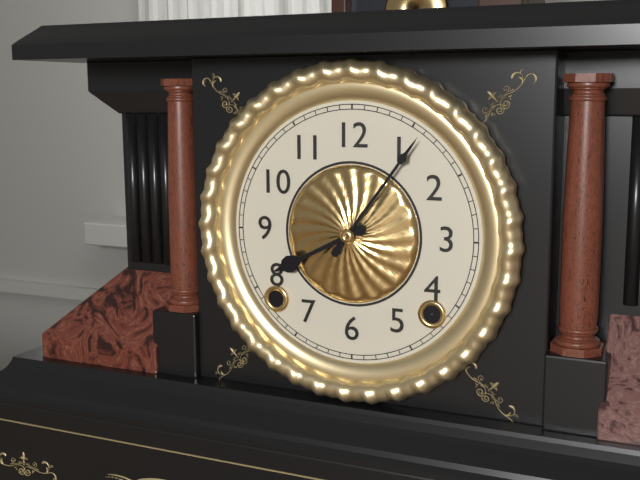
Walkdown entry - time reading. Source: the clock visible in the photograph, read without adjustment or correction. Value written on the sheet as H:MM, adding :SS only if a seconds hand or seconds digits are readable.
8:06
